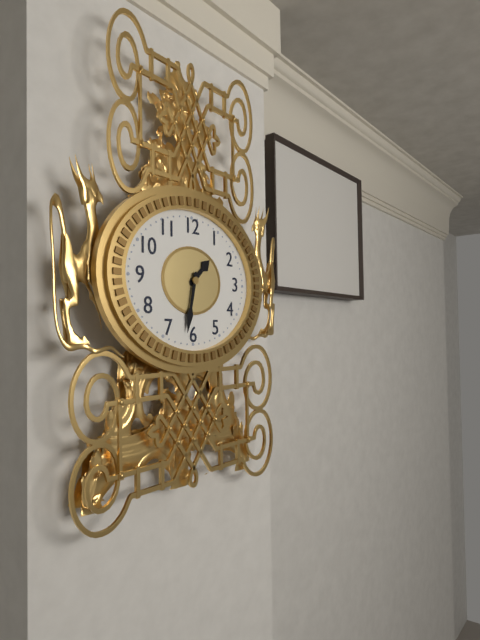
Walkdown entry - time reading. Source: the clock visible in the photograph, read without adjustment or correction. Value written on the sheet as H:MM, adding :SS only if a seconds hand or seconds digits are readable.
1:32
